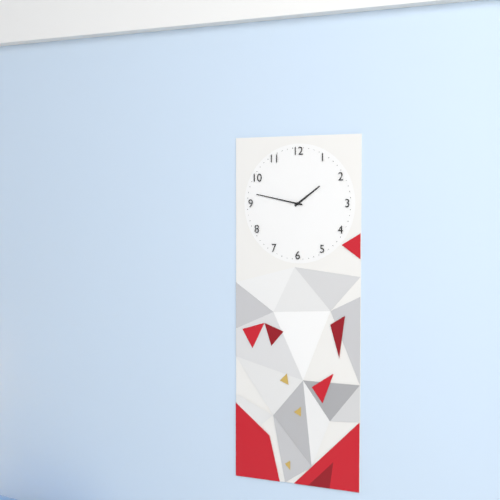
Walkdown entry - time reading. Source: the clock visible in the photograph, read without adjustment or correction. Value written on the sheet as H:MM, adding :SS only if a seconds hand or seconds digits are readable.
1:47
